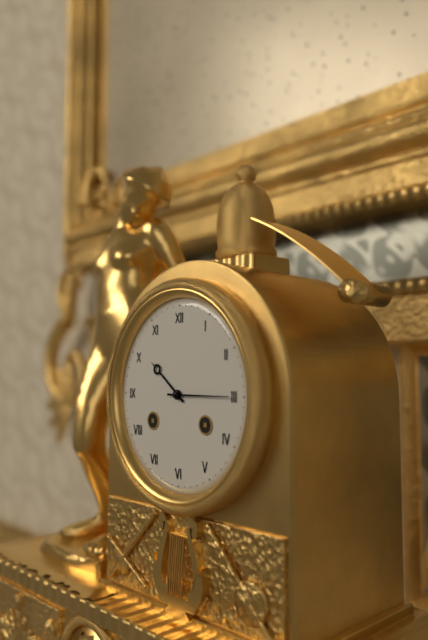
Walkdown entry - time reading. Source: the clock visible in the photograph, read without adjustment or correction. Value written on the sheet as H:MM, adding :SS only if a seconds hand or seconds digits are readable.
10:15
